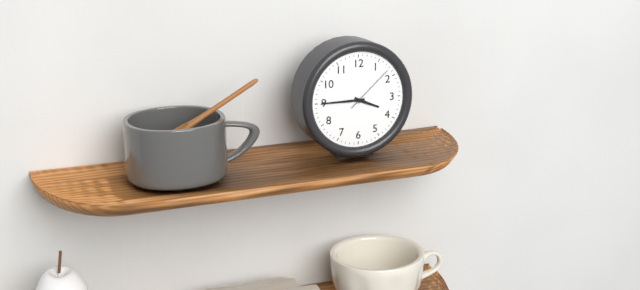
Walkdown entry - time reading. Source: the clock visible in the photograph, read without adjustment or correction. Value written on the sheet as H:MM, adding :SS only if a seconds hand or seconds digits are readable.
3:45:08
